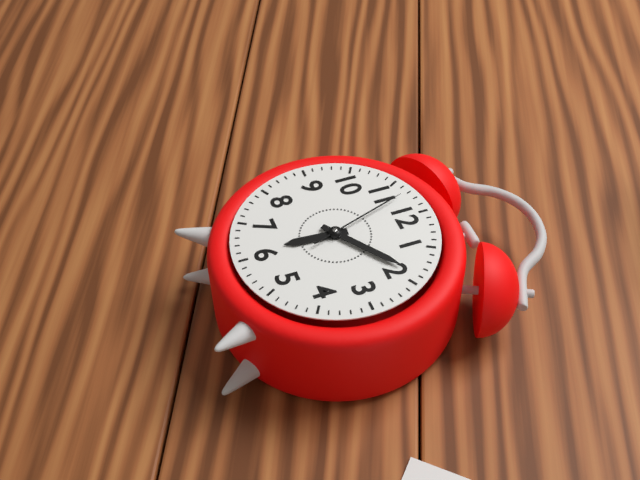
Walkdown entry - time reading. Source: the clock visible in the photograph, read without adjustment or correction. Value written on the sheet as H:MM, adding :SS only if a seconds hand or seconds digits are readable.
6:09:57
